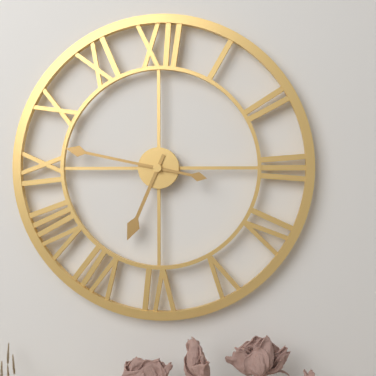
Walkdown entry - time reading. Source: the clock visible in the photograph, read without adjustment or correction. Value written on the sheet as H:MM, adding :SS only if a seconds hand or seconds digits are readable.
6:47
